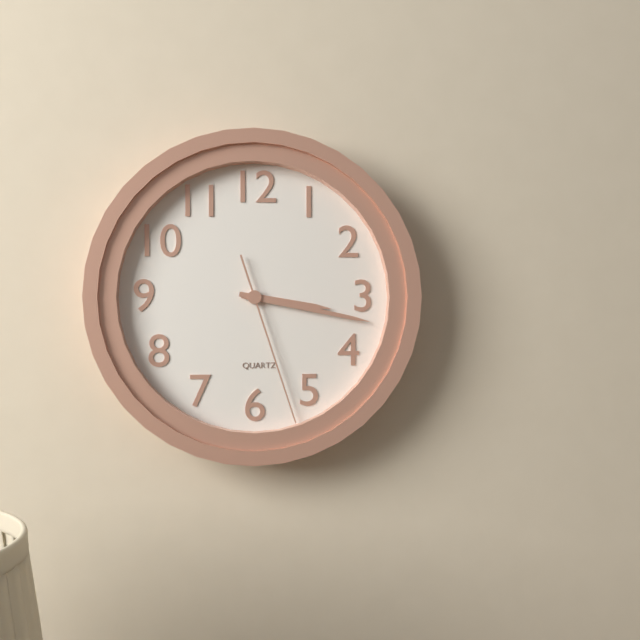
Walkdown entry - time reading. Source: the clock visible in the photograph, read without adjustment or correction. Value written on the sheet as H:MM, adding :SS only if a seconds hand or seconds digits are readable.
3:17:27
